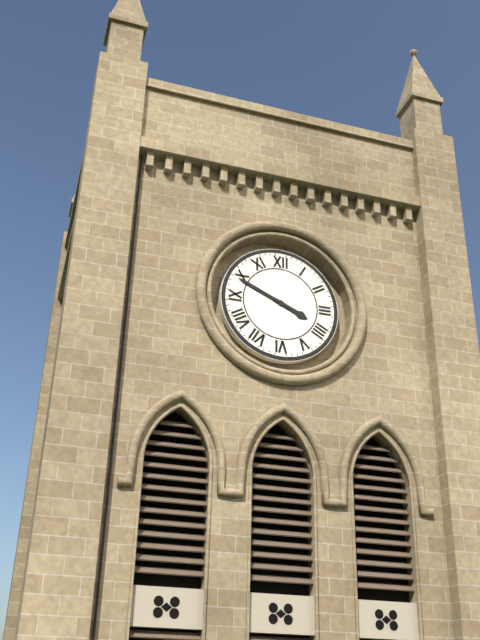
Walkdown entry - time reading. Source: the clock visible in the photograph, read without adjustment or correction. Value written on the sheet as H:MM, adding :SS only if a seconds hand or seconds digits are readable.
3:49
